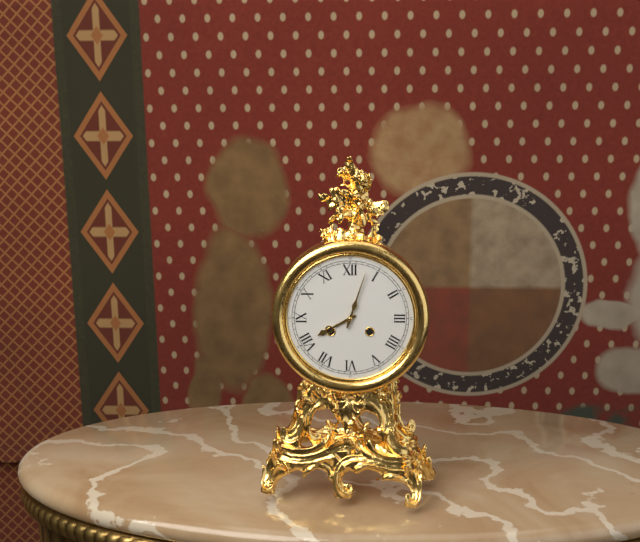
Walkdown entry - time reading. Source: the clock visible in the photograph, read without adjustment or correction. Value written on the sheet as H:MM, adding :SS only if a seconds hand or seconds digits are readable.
8:03
